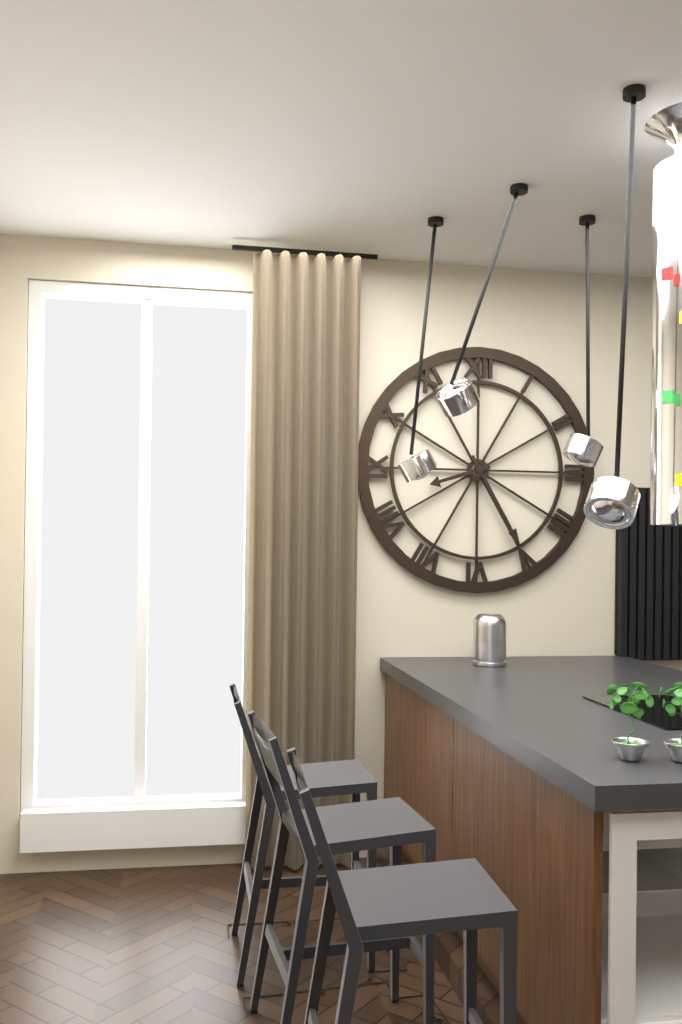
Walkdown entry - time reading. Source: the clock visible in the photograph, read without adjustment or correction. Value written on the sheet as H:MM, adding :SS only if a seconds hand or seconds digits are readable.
8:25
